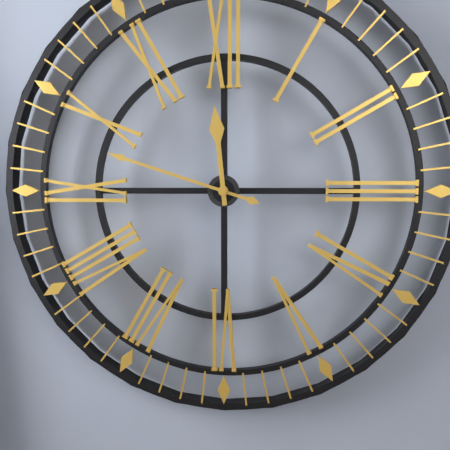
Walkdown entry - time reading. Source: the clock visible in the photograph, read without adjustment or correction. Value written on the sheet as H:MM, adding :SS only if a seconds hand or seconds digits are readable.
11:48
